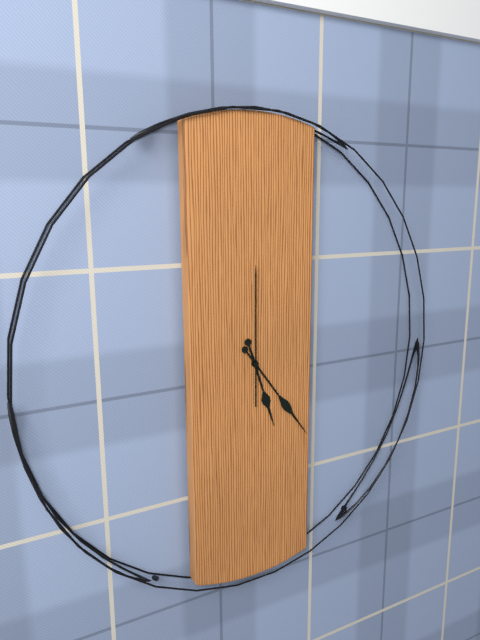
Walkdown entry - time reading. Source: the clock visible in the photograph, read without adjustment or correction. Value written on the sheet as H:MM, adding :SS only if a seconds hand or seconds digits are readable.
5:24:00
